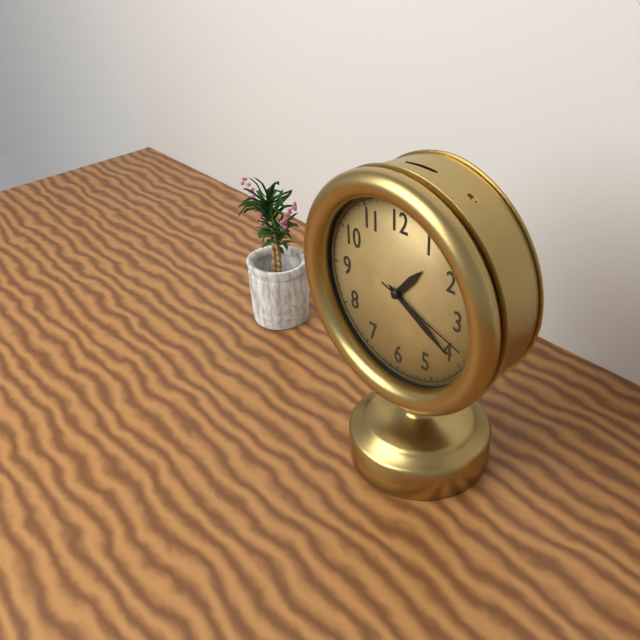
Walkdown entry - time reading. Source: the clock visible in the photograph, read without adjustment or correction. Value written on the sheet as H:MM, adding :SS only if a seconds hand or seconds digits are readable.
1:20:18
